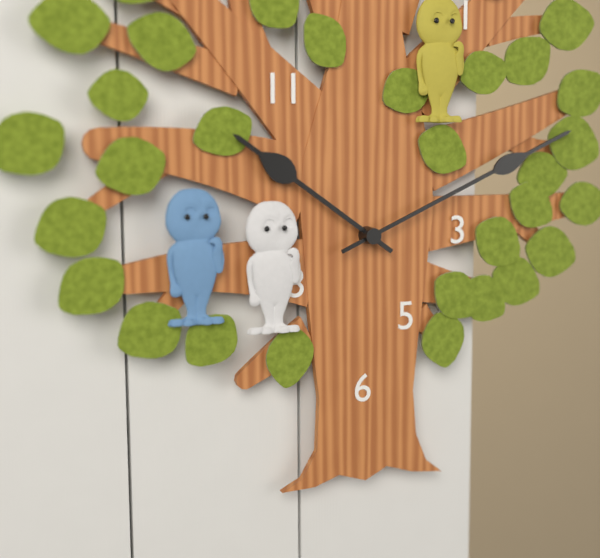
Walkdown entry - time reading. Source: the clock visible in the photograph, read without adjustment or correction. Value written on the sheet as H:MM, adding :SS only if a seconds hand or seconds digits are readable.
10:11
